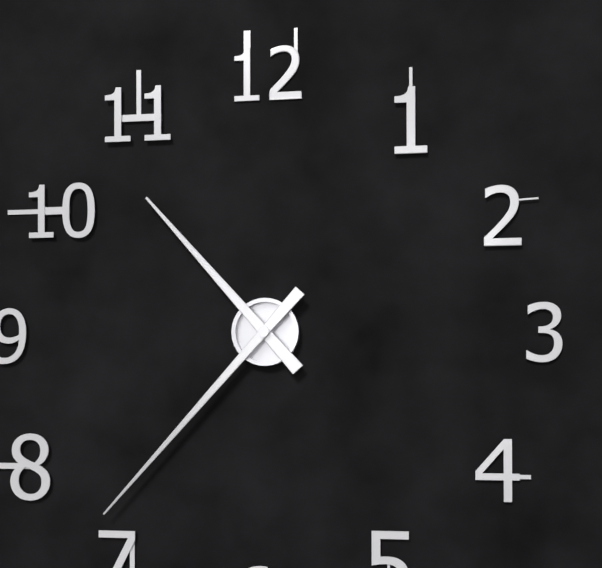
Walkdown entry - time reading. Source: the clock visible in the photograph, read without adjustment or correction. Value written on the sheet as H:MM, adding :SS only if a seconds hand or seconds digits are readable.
10:37
